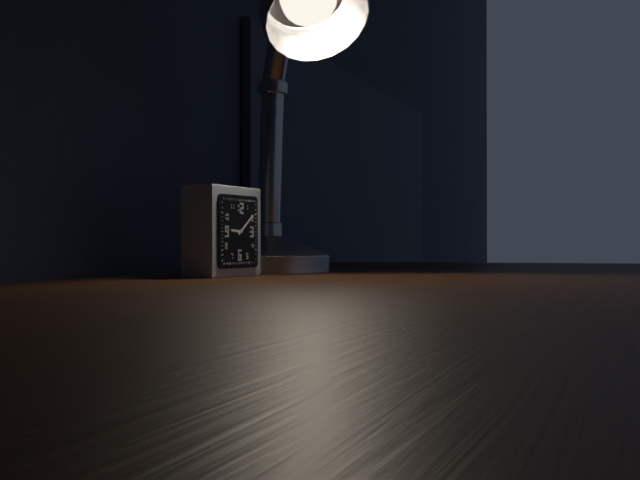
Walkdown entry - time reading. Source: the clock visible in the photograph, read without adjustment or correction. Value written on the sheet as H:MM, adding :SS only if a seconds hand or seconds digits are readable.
9:09
